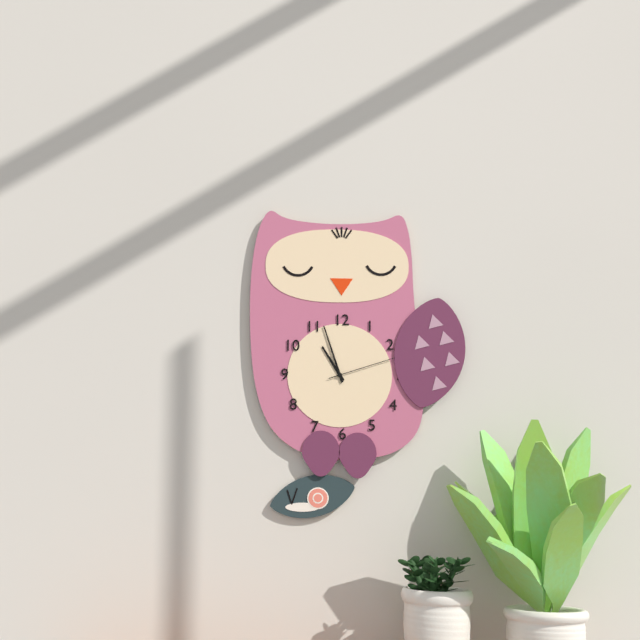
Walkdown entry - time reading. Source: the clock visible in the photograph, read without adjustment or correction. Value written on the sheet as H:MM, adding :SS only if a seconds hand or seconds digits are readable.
10:57:12
